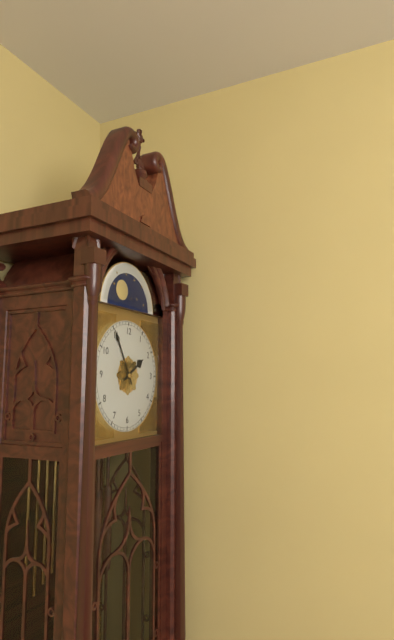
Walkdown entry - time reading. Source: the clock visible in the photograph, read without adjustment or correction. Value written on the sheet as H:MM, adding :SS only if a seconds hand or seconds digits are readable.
1:55
